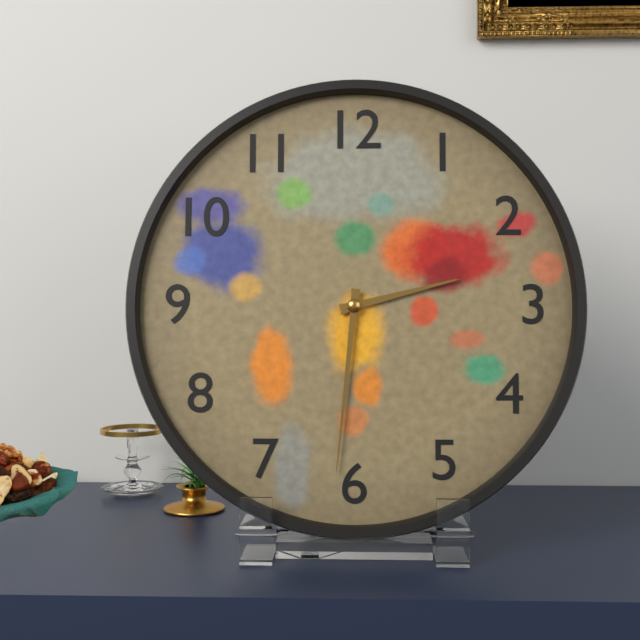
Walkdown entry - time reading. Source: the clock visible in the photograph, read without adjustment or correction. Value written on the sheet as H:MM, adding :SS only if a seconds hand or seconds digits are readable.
2:31
